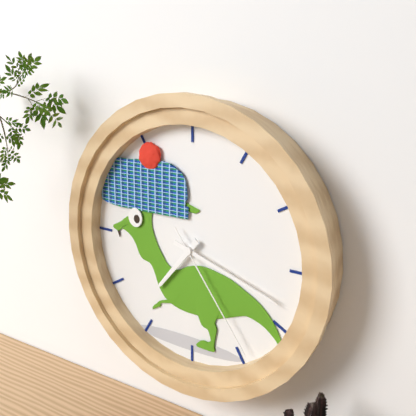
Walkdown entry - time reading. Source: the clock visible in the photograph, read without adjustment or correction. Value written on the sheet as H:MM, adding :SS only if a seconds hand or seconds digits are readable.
7:18:24
